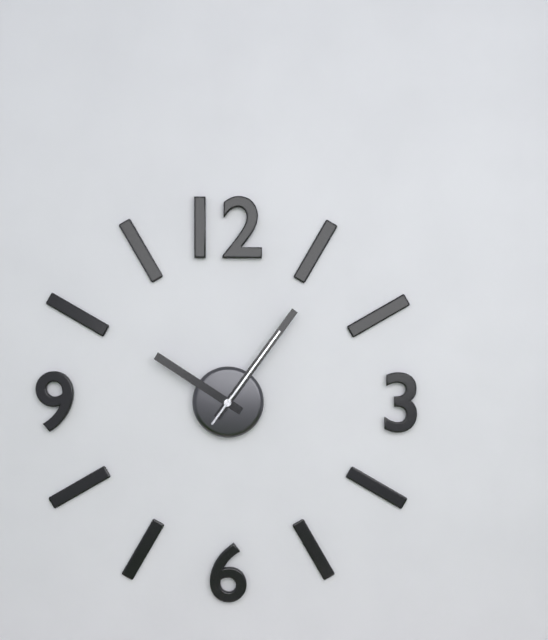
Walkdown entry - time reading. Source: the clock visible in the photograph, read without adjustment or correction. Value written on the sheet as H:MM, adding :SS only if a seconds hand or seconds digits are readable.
10:06:06
